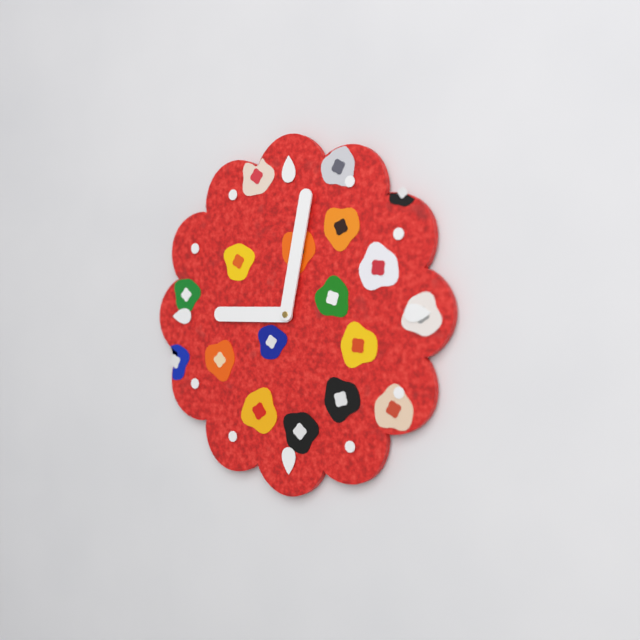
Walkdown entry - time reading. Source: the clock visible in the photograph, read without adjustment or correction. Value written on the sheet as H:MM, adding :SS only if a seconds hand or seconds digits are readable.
9:02
